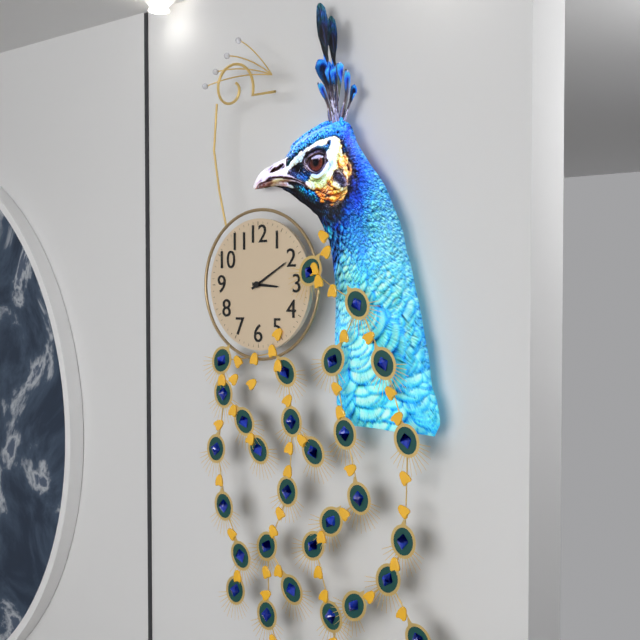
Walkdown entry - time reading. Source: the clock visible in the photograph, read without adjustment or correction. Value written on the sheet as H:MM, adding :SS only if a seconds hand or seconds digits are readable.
3:10
